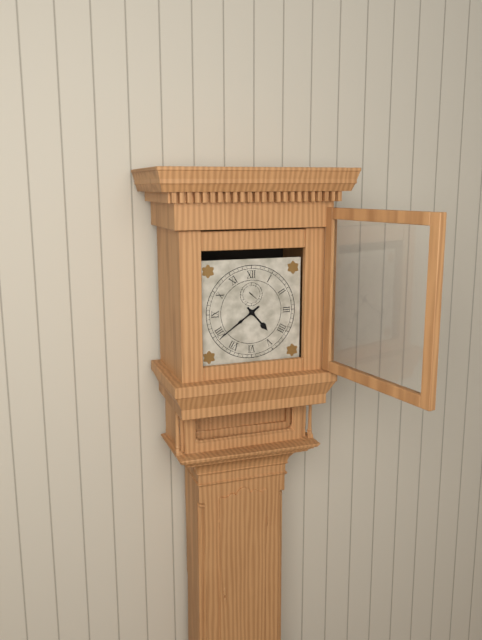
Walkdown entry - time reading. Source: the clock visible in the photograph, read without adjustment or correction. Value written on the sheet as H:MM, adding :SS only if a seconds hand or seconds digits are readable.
4:39
